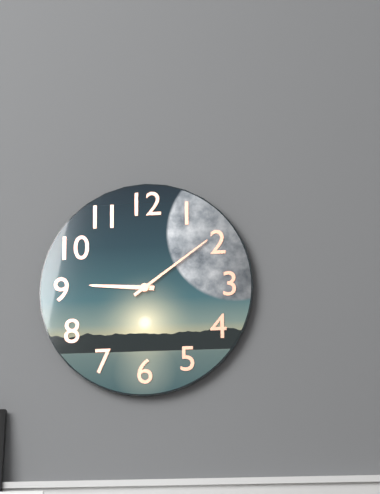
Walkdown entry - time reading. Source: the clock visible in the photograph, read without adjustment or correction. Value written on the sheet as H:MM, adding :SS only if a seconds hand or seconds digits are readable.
9:09
